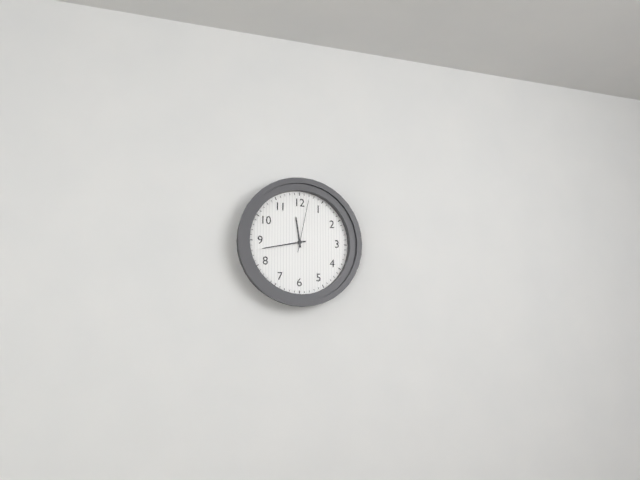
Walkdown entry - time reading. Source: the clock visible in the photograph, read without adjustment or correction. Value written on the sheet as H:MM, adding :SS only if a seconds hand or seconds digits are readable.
11:43:02
